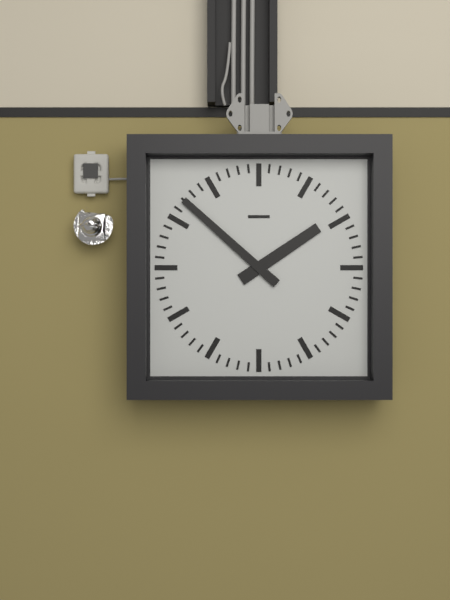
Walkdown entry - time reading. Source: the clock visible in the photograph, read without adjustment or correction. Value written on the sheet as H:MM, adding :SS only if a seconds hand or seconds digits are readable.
1:52
